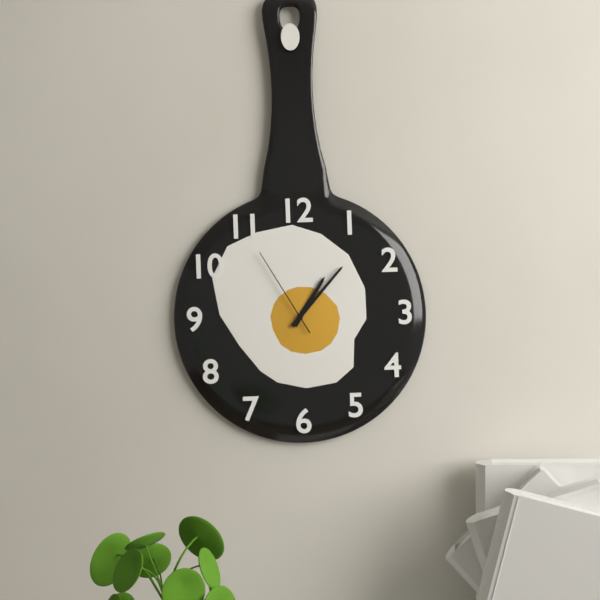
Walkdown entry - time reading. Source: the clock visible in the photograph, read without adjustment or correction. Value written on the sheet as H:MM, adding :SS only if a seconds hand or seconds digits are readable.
1:07:55
